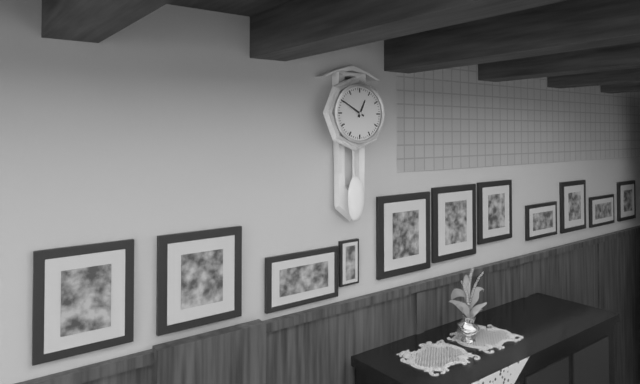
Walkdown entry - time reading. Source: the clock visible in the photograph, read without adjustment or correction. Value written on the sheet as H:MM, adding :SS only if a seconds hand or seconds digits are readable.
12:50
